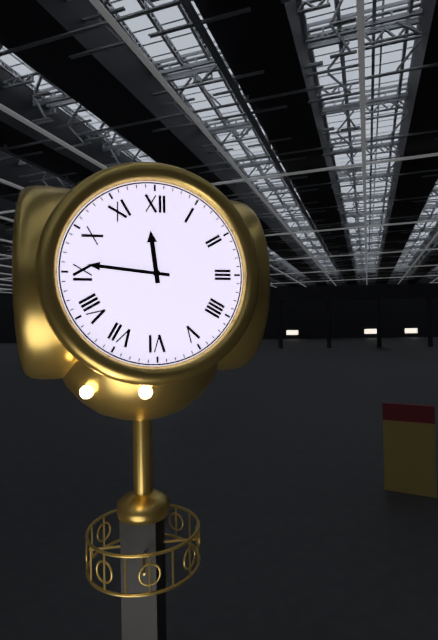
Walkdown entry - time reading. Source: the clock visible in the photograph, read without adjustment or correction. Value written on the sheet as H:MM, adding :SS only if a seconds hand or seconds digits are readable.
11:46
